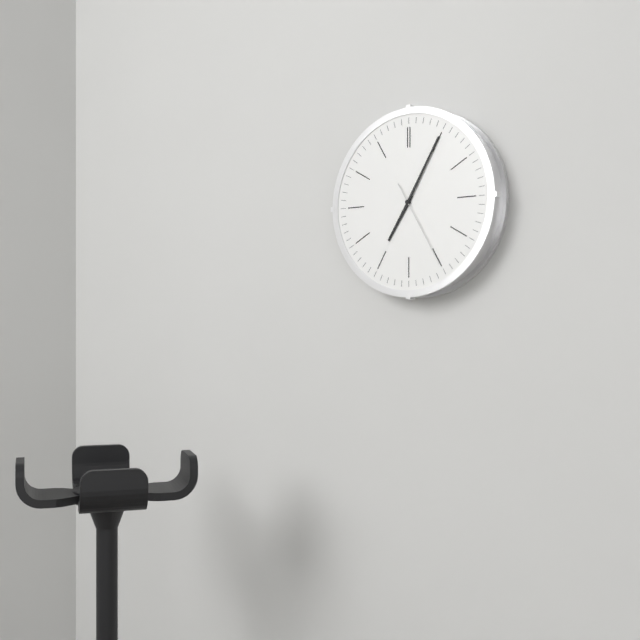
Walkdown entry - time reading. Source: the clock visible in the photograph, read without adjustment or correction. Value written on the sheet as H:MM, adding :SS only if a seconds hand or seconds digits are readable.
7:05:25
